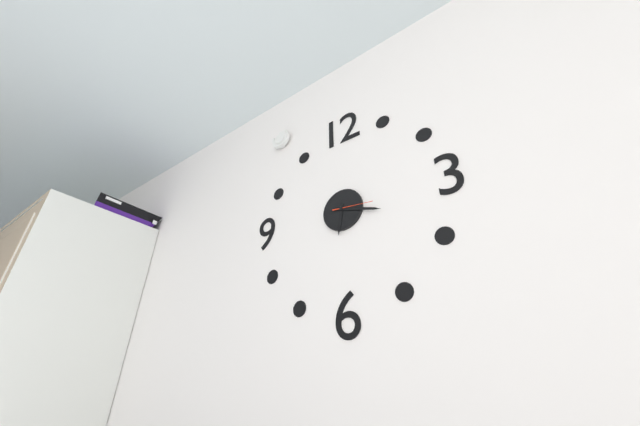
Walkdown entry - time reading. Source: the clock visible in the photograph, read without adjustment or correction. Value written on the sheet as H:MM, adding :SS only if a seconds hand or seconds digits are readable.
6:18
